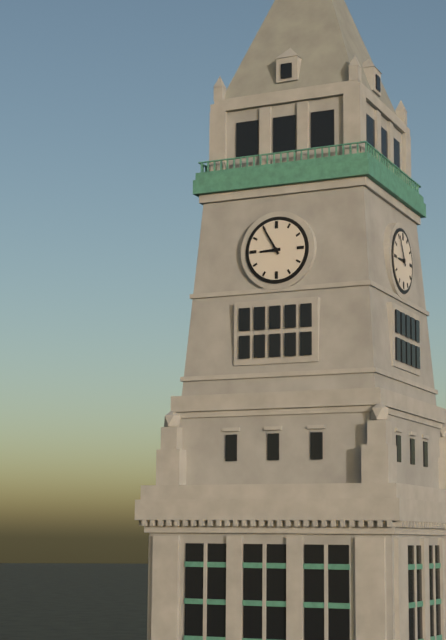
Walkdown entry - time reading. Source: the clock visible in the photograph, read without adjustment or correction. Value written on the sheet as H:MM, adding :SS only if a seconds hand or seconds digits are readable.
8:55
